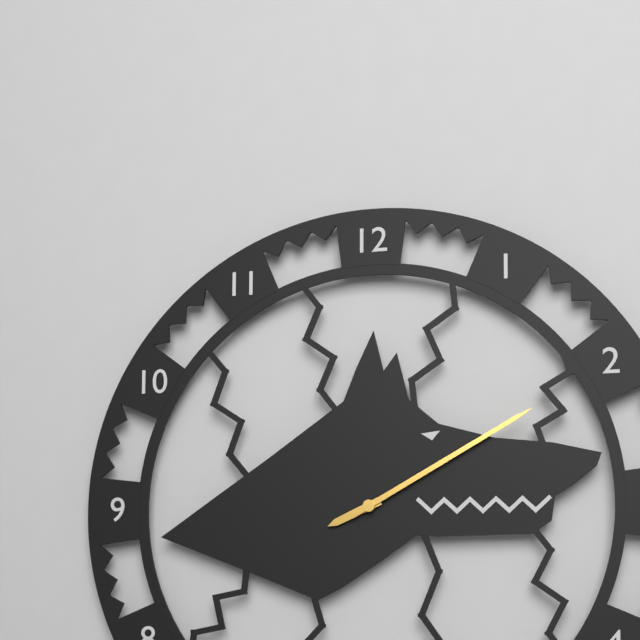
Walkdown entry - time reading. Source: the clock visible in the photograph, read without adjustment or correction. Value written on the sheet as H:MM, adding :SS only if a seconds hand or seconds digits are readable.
8:10
